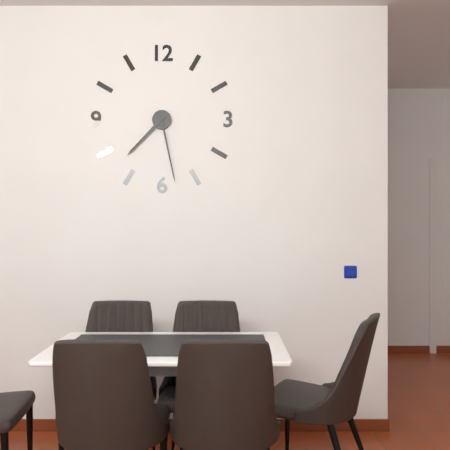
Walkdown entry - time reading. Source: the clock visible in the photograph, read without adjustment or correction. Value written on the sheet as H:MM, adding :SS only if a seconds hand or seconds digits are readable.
7:28
